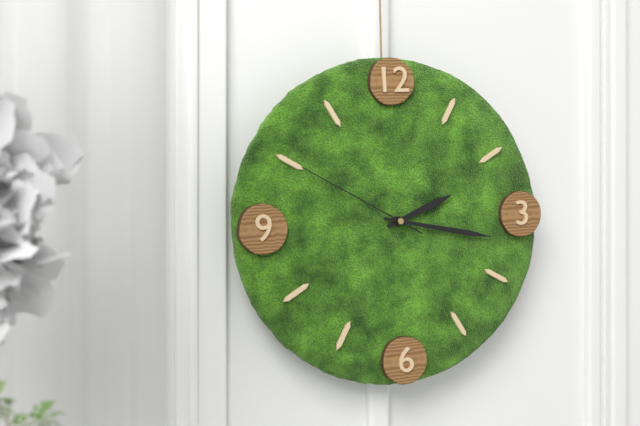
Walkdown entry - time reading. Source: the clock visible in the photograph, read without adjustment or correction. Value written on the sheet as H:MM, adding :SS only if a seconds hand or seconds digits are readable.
2:17:50
